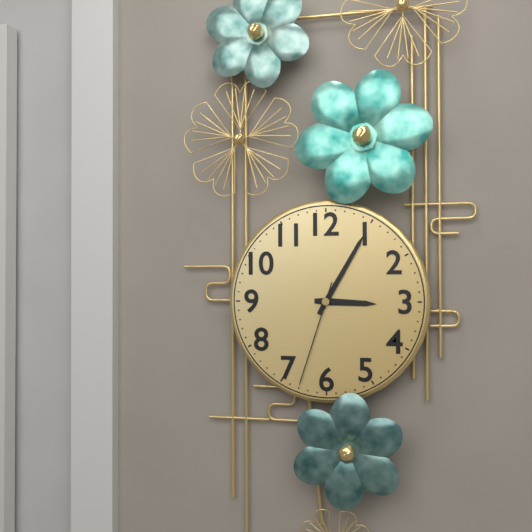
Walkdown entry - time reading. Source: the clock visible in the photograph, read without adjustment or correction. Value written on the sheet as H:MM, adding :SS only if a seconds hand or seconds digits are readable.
3:05:33
